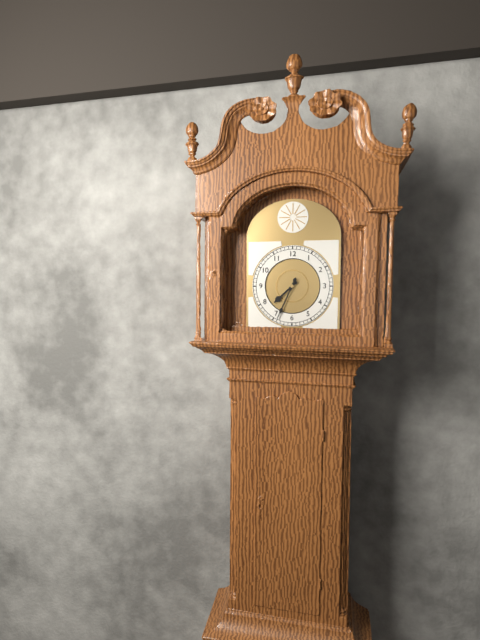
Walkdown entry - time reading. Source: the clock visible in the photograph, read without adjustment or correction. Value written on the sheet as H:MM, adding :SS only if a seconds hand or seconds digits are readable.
7:34
